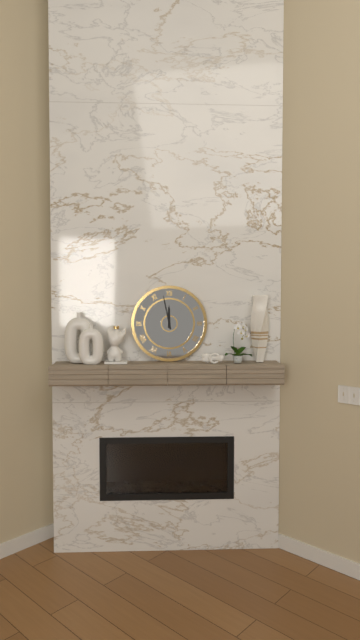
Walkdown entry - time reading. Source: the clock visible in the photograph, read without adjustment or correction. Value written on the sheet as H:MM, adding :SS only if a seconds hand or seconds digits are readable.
11:58
